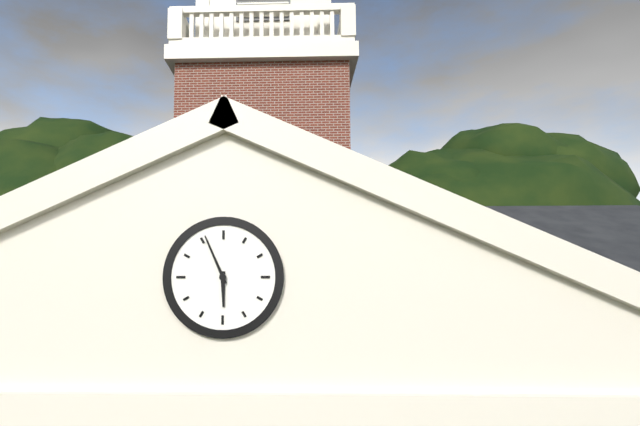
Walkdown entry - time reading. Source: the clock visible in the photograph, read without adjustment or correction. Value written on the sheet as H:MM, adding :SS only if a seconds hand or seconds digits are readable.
5:56
